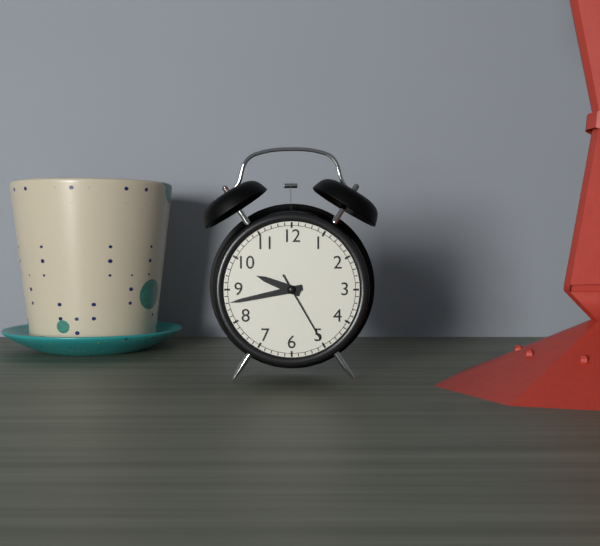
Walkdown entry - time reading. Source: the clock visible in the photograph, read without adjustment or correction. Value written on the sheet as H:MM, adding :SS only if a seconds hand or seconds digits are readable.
9:43:25
